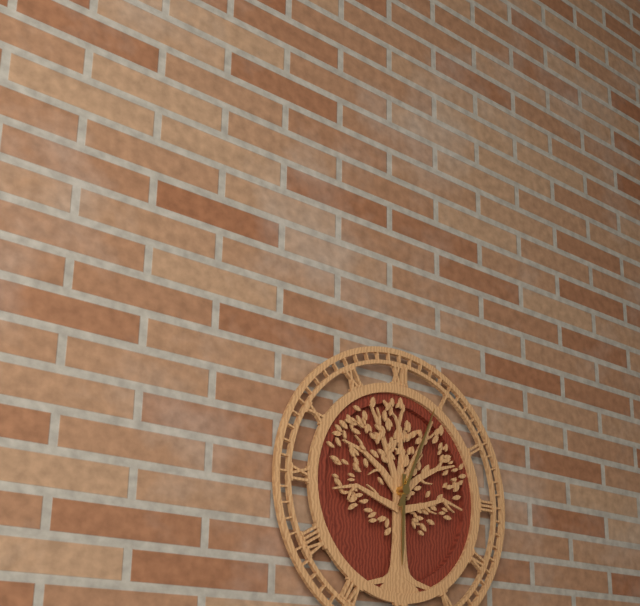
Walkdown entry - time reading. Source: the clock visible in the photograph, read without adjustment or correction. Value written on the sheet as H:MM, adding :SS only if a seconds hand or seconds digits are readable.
6:04
